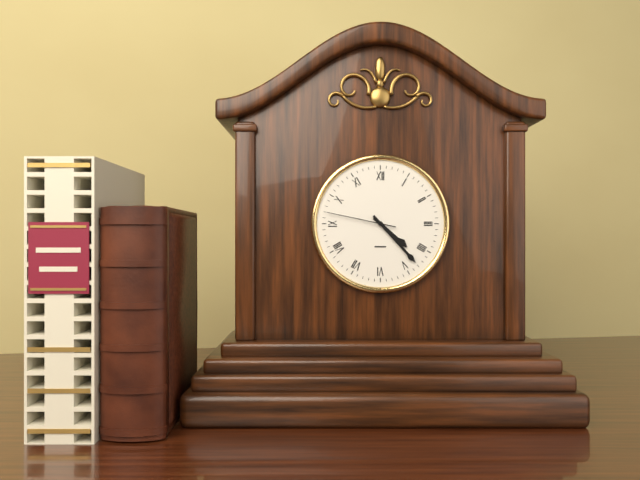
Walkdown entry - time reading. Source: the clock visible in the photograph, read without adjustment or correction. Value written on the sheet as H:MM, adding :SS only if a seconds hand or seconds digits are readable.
4:23:47
